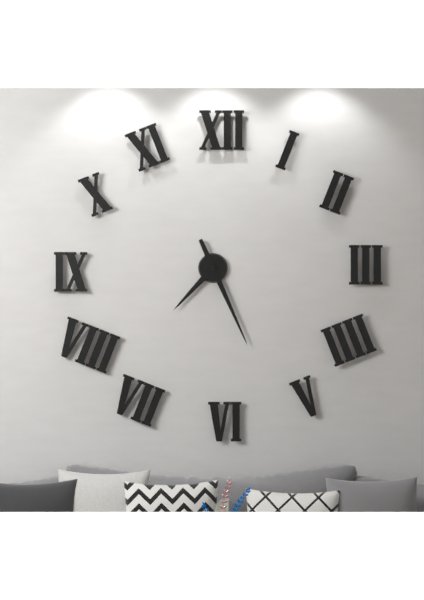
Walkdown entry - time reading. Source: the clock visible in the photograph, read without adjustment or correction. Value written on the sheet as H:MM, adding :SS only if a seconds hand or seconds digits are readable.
7:26
